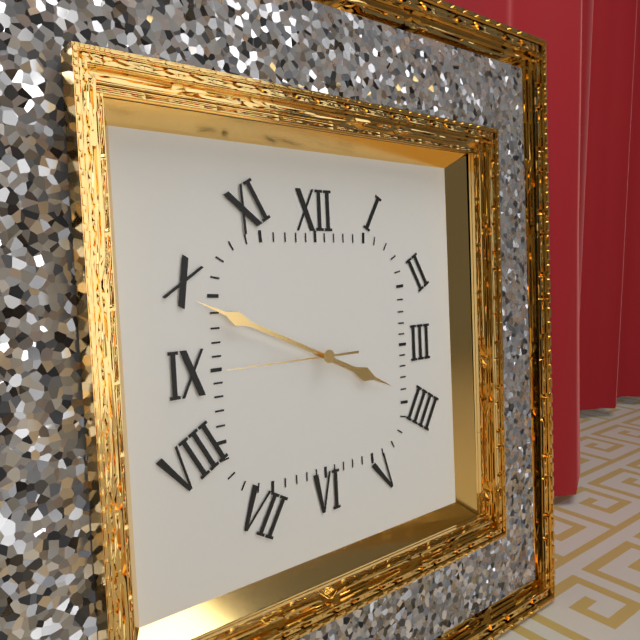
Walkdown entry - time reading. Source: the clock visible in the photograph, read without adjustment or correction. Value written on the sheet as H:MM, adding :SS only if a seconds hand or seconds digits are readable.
3:49:45
